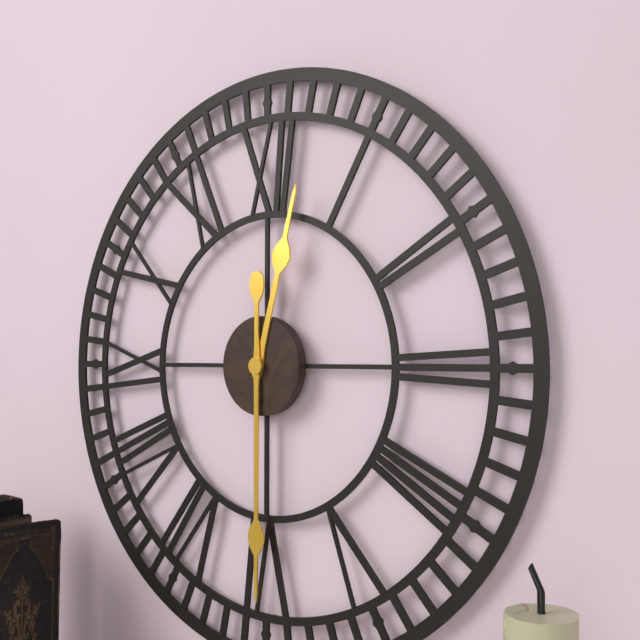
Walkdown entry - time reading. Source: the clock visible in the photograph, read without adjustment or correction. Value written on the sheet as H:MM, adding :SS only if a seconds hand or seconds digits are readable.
12:30
